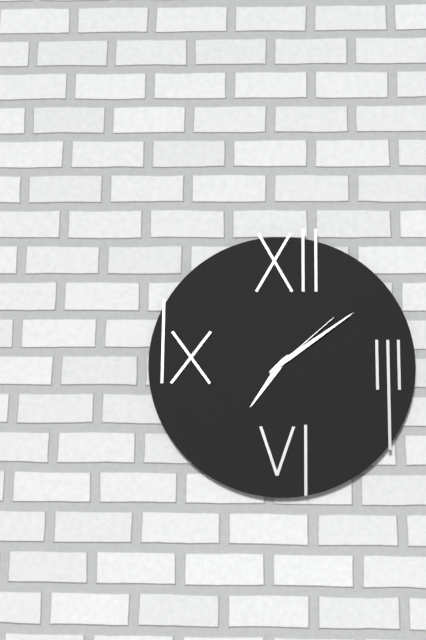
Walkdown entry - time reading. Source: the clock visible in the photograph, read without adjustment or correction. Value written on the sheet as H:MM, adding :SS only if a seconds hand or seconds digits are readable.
7:09:08
